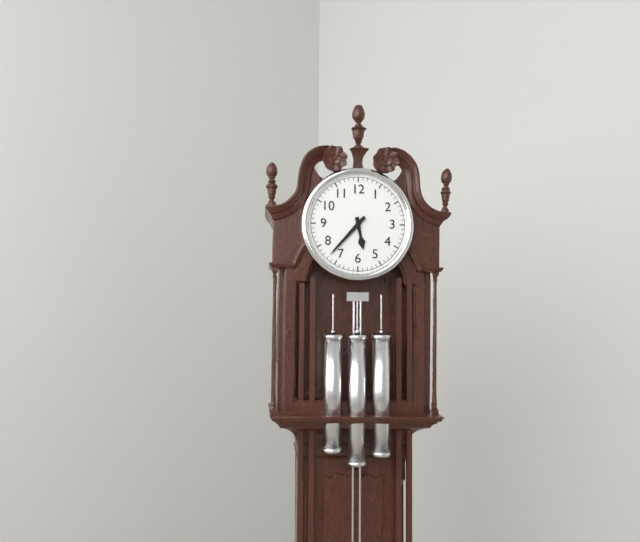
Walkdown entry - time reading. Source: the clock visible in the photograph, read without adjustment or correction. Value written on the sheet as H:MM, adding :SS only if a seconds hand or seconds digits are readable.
5:37
